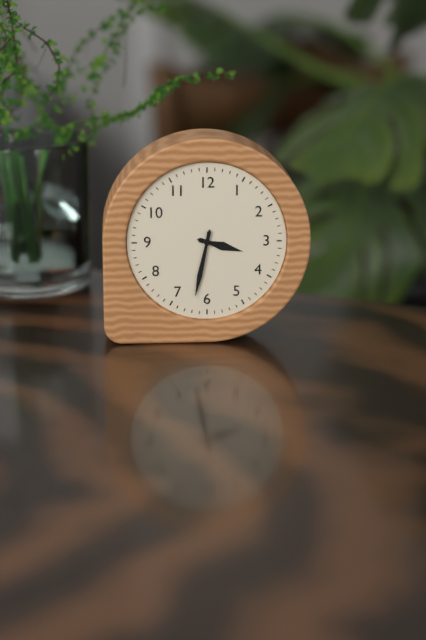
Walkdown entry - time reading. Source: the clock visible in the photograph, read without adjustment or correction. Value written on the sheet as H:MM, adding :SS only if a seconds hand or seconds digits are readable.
3:32
